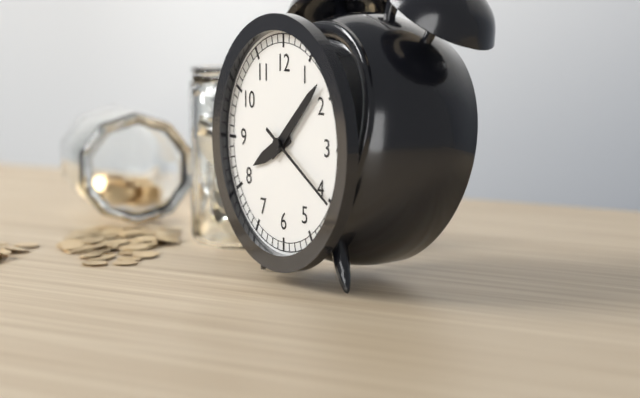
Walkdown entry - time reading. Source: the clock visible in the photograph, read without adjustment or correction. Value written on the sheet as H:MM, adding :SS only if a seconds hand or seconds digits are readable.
8:08:20
